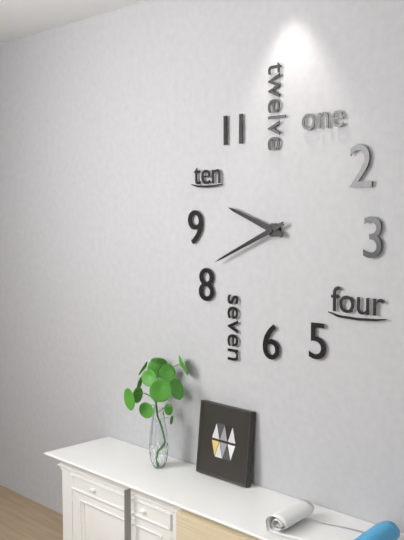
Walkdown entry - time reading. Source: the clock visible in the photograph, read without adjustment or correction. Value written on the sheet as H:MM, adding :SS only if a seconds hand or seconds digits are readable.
9:41
